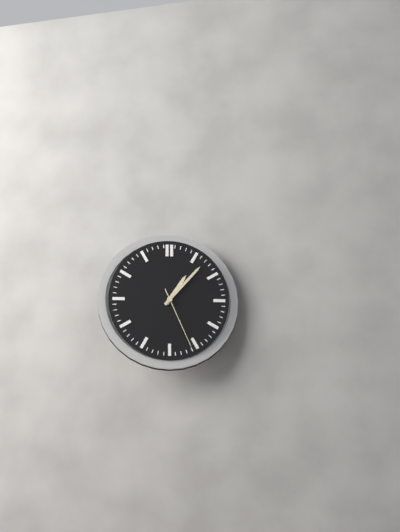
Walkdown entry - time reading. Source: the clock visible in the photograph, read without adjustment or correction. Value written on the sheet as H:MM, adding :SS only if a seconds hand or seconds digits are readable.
1:07:26
